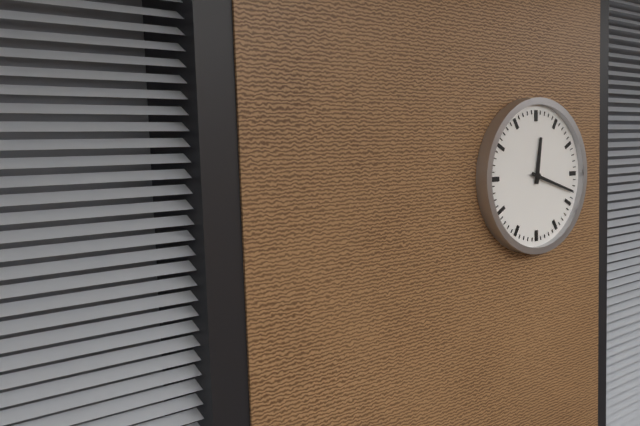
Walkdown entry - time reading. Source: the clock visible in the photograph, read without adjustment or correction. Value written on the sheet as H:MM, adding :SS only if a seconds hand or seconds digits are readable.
12:18
